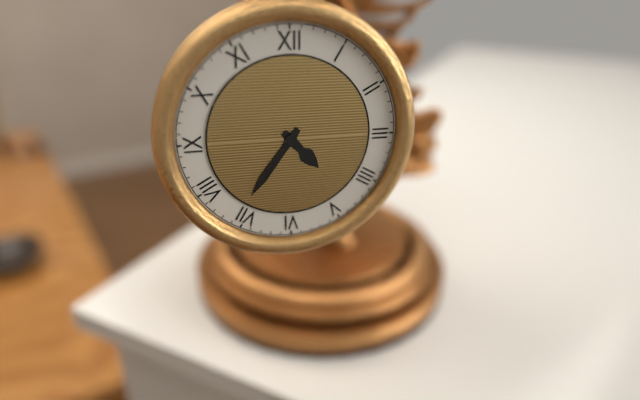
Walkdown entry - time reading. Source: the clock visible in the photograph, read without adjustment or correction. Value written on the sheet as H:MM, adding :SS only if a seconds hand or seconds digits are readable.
4:36
